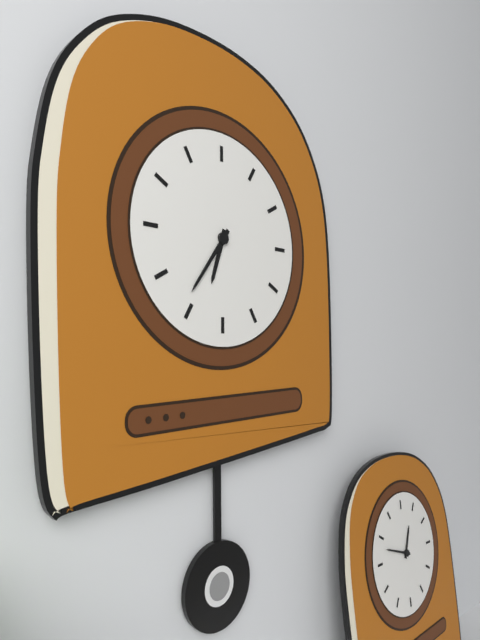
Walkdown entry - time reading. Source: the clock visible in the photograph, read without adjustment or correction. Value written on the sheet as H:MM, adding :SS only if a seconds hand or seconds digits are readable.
6:36
